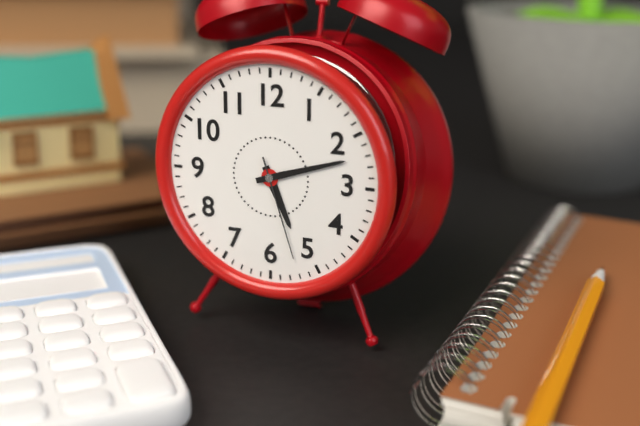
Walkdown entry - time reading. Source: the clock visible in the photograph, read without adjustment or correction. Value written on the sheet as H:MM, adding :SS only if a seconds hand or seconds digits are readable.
5:12:27
